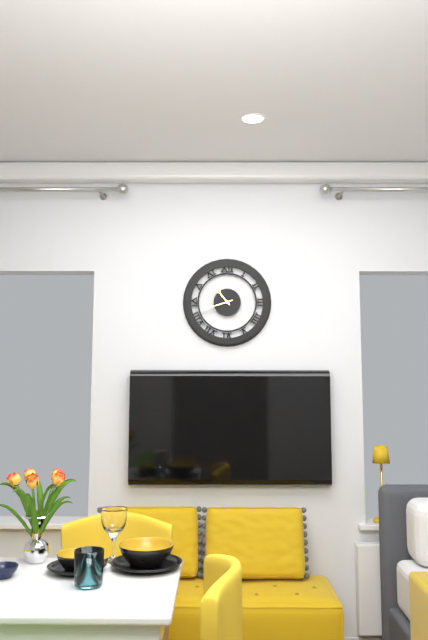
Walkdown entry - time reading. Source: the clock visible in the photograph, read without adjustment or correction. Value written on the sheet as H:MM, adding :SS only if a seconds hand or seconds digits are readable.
10:42
